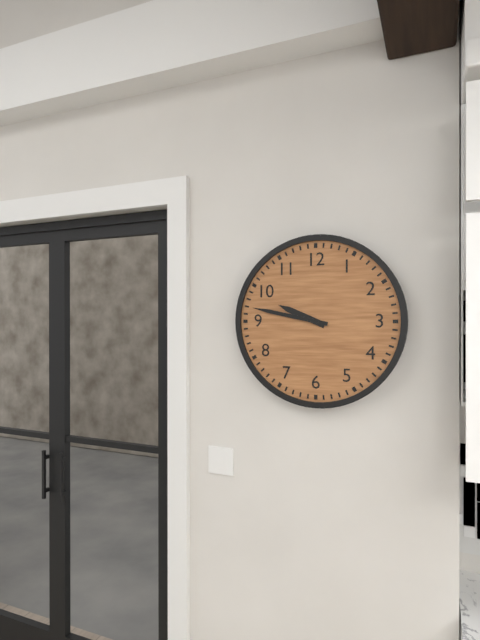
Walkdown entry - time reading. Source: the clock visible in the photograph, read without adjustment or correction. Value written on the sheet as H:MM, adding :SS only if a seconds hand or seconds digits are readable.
9:47
